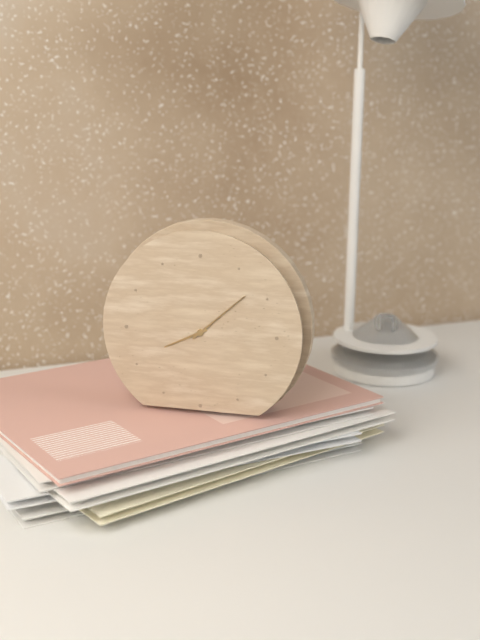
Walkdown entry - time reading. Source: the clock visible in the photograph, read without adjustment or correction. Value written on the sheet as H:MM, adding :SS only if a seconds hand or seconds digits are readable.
8:08
